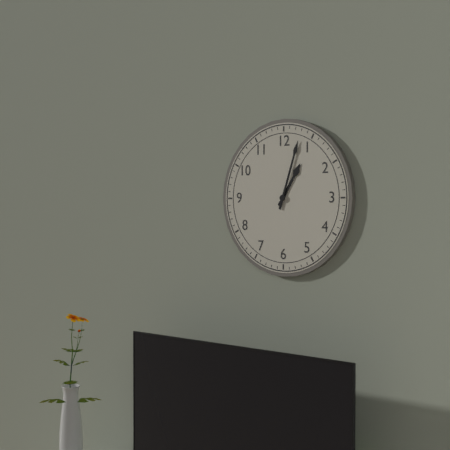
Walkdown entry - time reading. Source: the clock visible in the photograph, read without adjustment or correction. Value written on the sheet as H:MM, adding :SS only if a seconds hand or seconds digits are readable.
1:03
